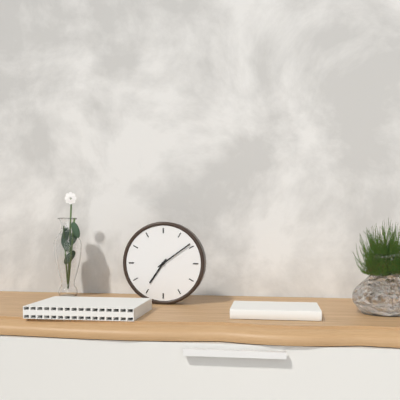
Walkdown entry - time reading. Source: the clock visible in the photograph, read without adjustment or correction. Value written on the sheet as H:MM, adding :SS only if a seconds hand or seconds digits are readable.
7:09
